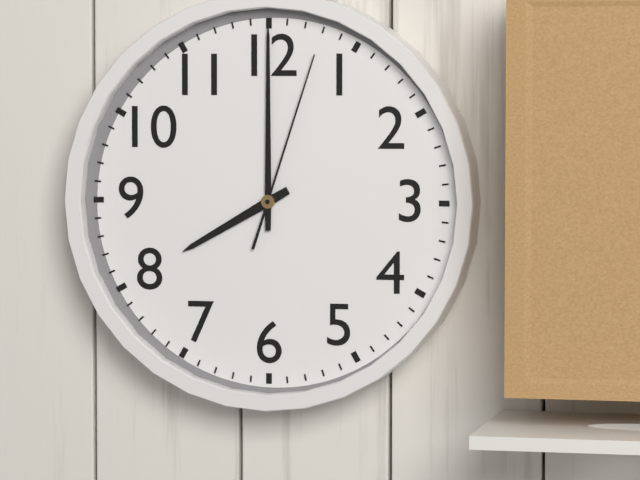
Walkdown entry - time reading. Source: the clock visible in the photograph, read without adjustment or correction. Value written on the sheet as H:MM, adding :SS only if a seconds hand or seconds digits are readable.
8:00:03
